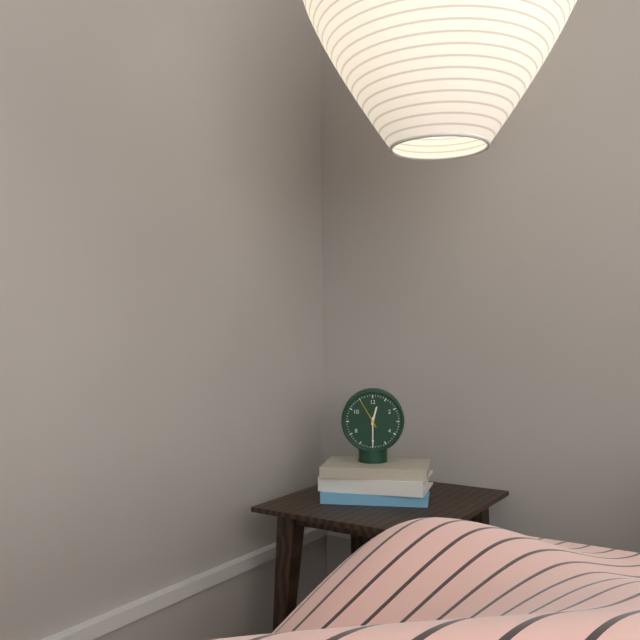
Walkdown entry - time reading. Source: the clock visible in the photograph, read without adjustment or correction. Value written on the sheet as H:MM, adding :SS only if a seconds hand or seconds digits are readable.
12:30
